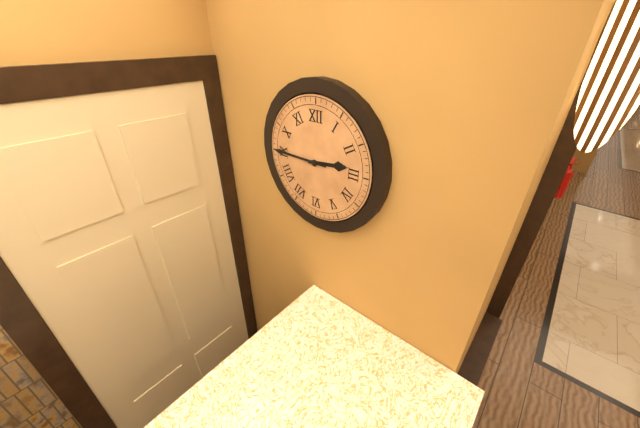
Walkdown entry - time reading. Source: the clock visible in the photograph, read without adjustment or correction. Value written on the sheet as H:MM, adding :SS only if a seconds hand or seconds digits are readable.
2:45
